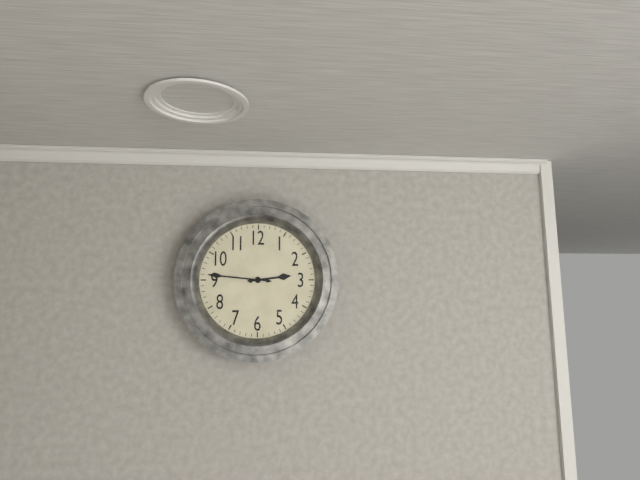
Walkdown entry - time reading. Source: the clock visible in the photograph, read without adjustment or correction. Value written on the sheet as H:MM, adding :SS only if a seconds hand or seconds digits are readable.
2:46
